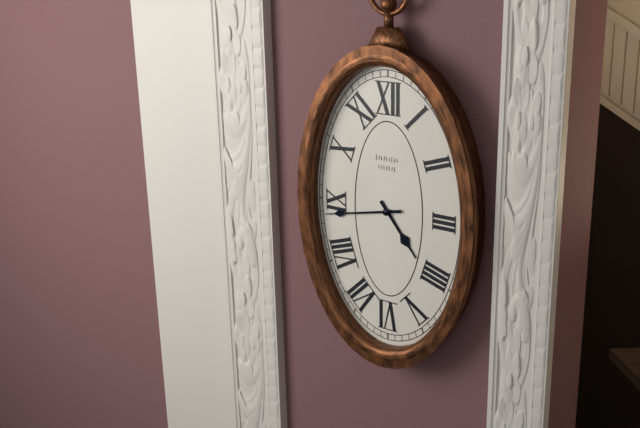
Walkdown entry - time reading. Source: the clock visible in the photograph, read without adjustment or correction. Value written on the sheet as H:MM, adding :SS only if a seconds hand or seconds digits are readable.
4:43
